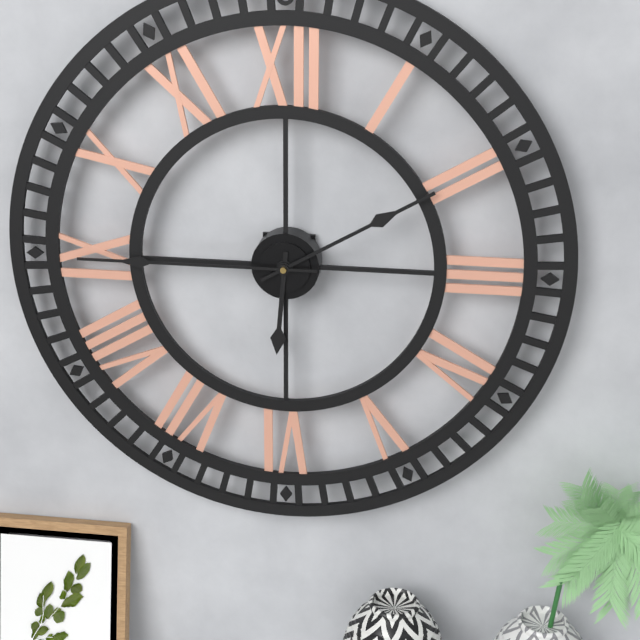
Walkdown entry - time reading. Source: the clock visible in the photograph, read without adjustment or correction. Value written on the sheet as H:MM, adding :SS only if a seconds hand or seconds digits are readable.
6:10:45
